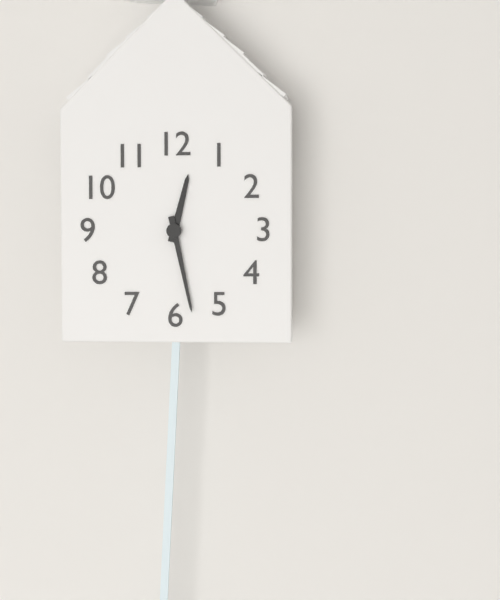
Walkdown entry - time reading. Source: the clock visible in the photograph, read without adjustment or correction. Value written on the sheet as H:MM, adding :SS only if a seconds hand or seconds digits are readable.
12:28
